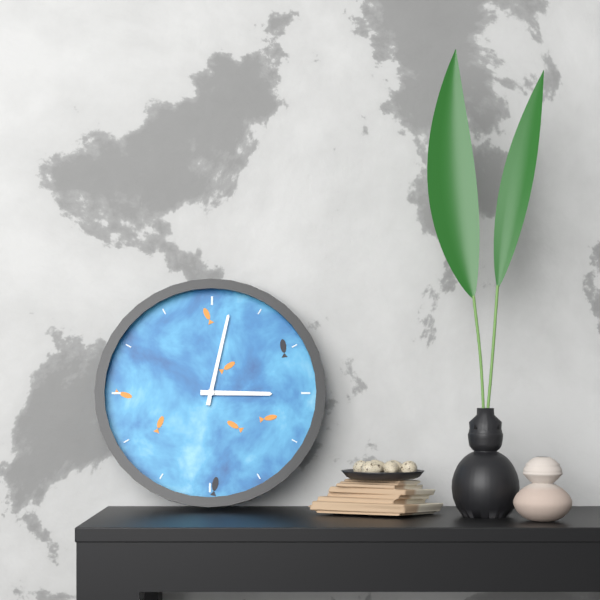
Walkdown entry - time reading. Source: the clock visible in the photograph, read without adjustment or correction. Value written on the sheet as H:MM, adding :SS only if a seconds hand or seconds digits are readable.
3:02
